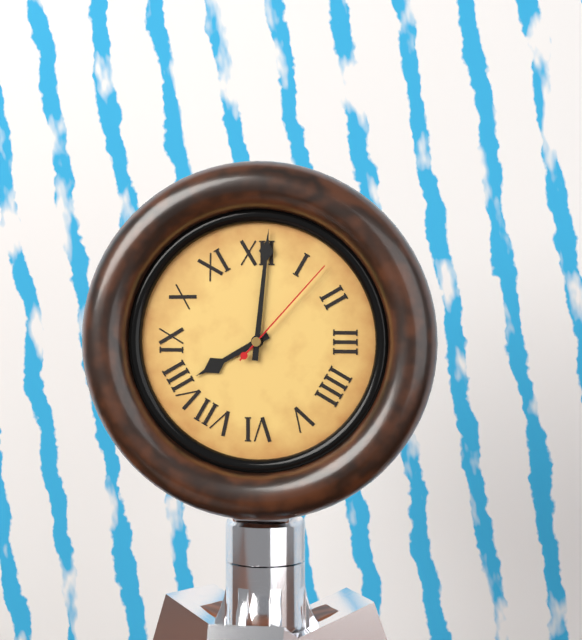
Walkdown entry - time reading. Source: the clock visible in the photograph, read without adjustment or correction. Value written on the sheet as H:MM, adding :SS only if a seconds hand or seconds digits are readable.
8:01:07
